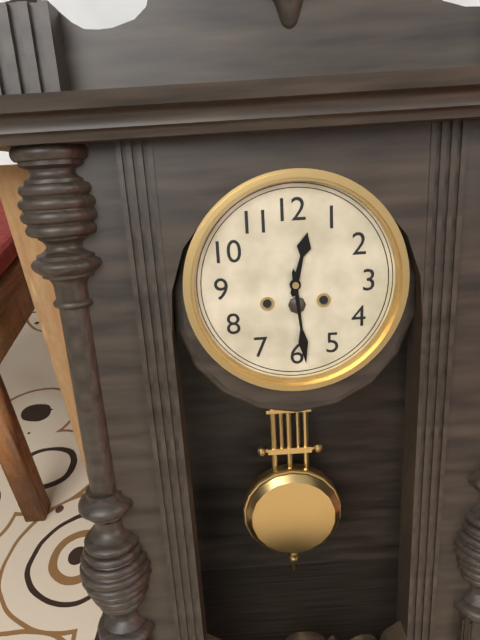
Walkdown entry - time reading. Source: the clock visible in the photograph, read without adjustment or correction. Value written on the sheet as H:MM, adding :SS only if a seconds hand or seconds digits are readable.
12:29
